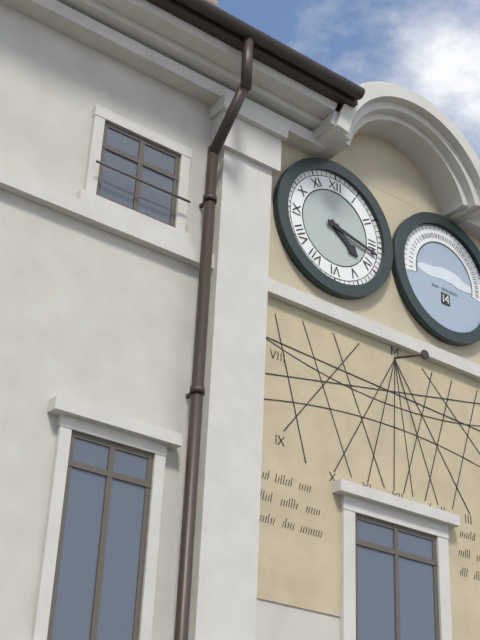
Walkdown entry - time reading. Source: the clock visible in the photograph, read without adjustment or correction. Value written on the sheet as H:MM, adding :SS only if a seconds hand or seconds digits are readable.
4:17
